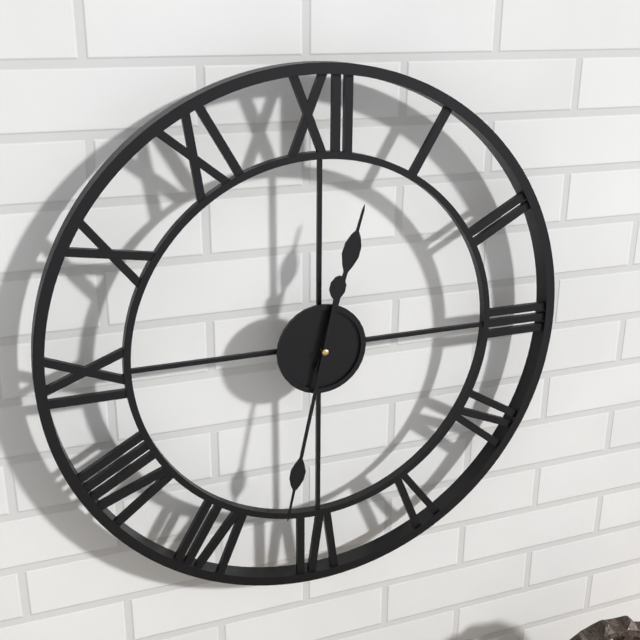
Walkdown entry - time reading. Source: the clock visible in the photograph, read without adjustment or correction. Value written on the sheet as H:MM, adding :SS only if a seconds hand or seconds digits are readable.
12:32
